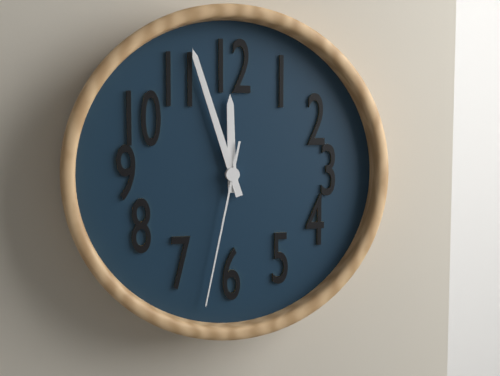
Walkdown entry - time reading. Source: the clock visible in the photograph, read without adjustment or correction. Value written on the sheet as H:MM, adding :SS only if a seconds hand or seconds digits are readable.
11:57:32
